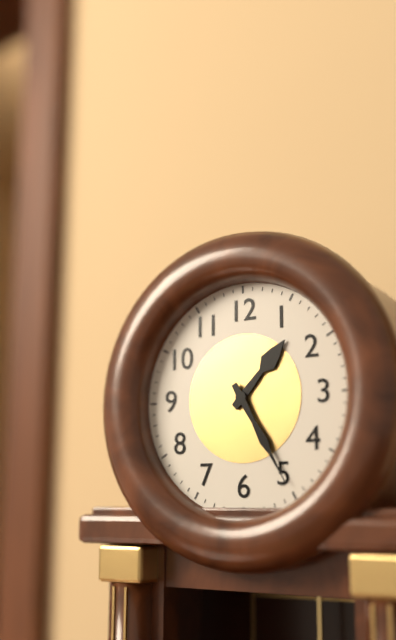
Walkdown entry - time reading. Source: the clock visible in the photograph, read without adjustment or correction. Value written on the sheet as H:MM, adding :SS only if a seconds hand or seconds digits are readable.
1:25
